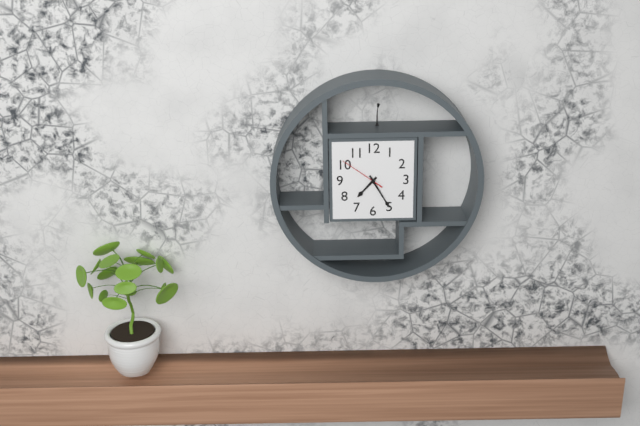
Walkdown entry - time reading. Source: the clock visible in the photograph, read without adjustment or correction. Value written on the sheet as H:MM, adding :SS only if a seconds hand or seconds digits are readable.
7:25
